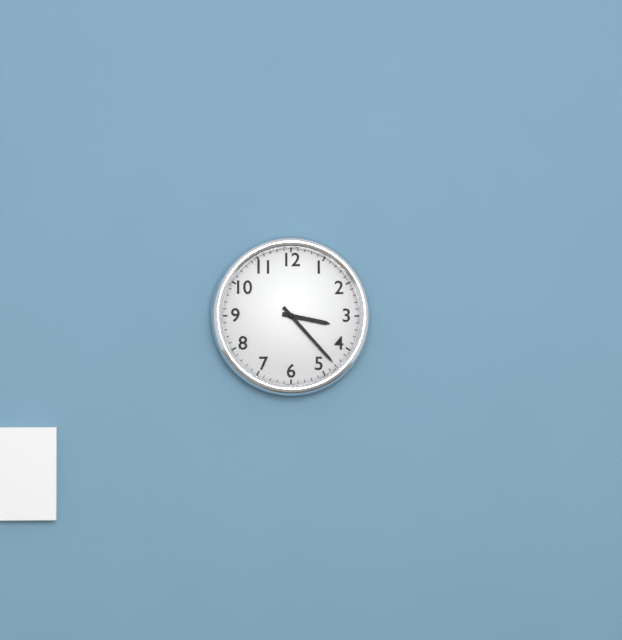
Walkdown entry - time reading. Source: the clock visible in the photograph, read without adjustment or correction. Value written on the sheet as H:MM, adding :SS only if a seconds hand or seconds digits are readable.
3:23
